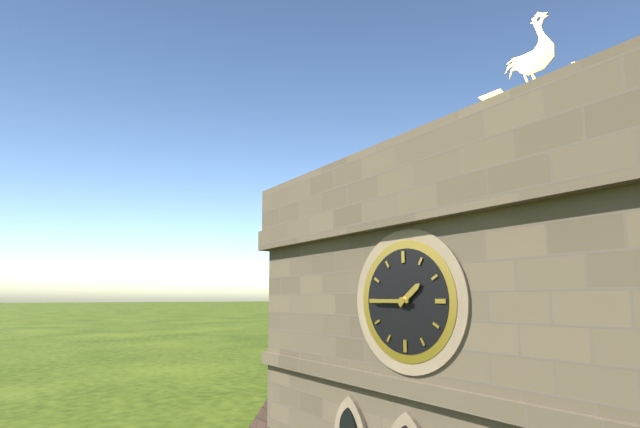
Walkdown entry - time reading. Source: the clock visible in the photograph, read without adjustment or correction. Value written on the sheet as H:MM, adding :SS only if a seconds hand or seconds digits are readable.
1:45
